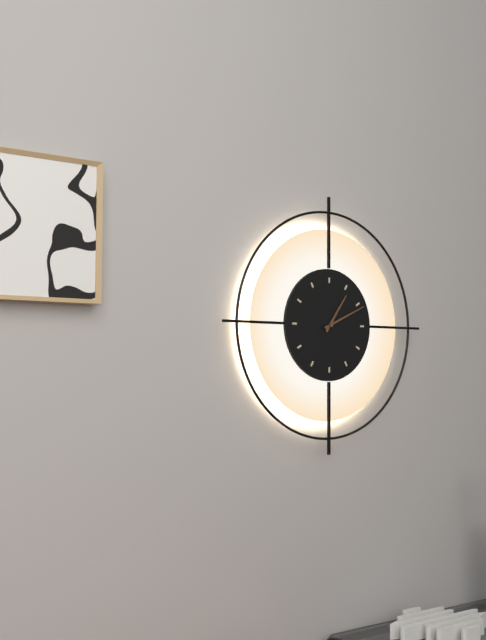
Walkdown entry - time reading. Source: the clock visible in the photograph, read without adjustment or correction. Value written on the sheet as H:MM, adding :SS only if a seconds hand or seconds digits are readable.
1:11
